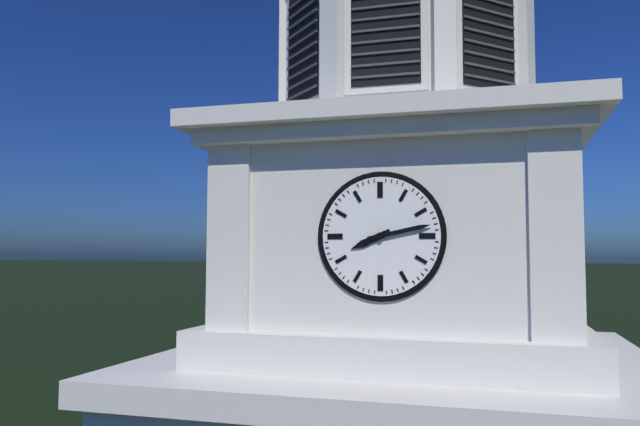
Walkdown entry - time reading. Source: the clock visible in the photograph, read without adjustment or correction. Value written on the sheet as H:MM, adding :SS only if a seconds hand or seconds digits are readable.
8:13
